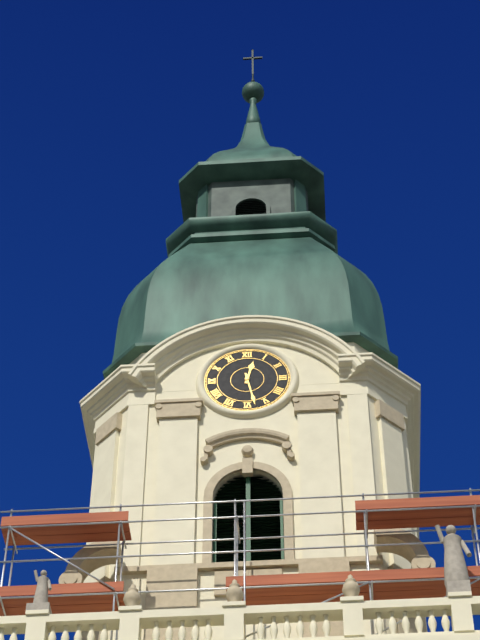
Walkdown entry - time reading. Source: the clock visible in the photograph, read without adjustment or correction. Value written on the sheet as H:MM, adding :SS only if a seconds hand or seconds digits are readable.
12:28
